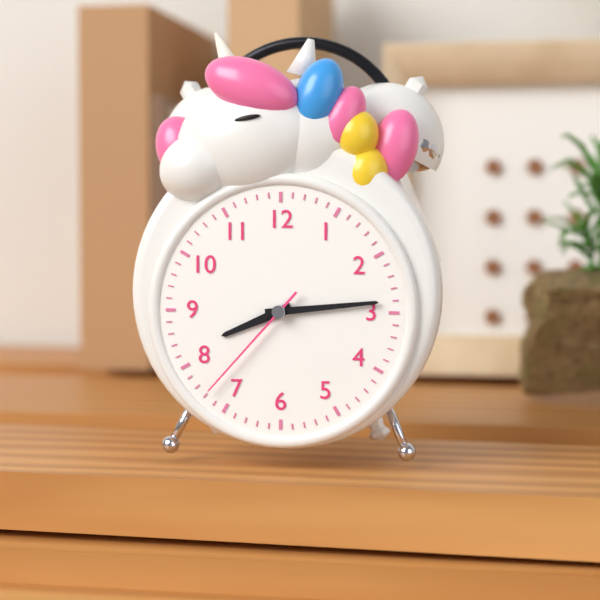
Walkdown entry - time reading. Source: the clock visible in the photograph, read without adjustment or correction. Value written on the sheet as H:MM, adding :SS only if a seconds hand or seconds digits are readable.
8:14:37
